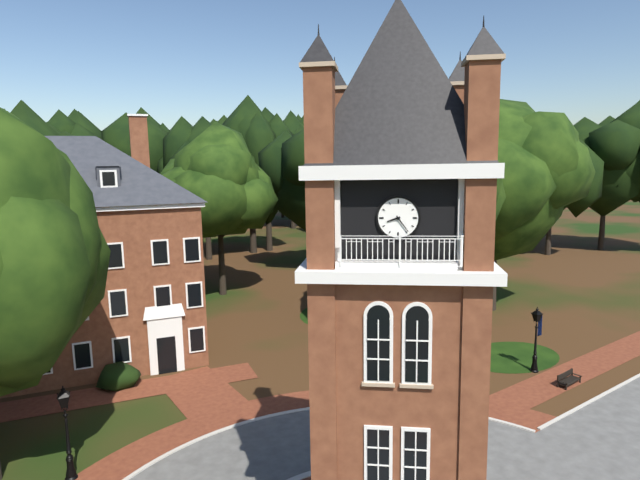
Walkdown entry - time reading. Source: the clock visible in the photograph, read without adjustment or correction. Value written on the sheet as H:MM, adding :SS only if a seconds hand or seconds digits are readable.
8:24
